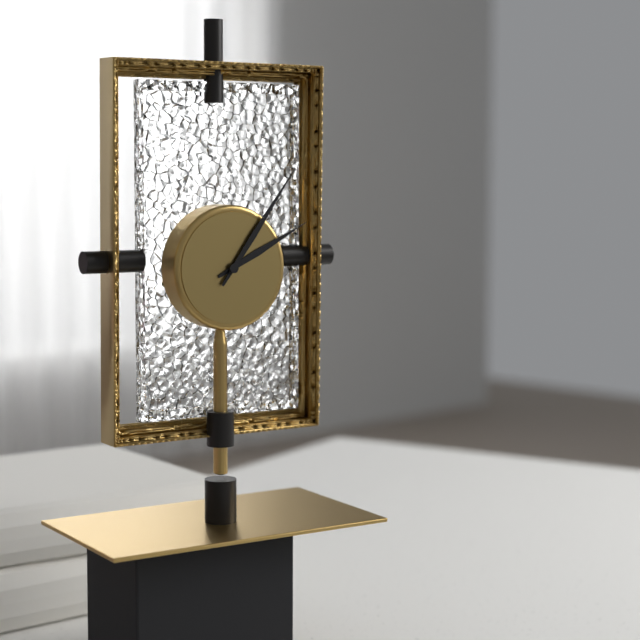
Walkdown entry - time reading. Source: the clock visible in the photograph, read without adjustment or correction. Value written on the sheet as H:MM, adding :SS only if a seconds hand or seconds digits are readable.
2:06
